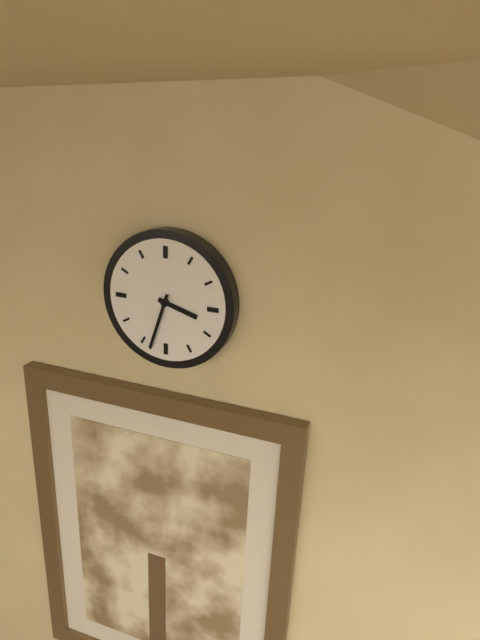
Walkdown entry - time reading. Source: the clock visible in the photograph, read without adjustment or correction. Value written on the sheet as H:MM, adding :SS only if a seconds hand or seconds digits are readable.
3:33
